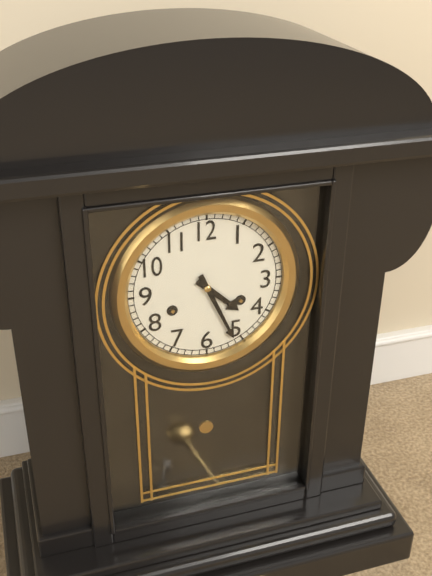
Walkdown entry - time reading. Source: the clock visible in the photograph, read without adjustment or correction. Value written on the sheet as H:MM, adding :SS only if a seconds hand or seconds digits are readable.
4:26
